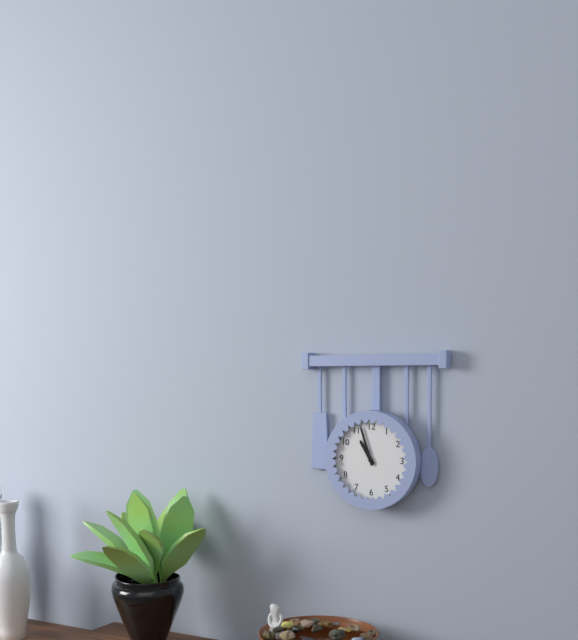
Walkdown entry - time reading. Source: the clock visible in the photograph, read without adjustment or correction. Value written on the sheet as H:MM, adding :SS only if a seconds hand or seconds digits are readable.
10:57
